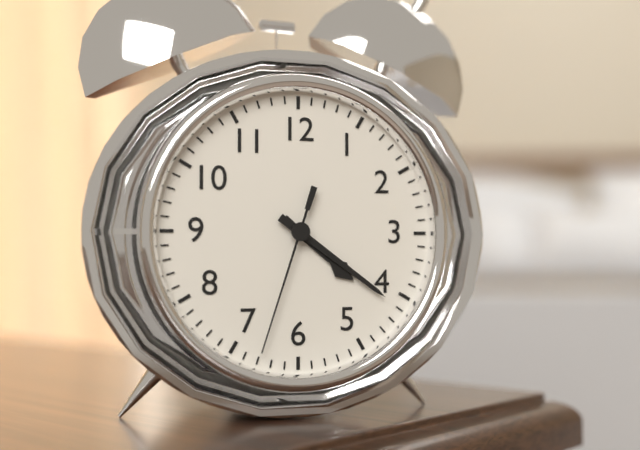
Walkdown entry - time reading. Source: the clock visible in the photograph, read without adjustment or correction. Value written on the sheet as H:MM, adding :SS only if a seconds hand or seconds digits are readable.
4:21:33
